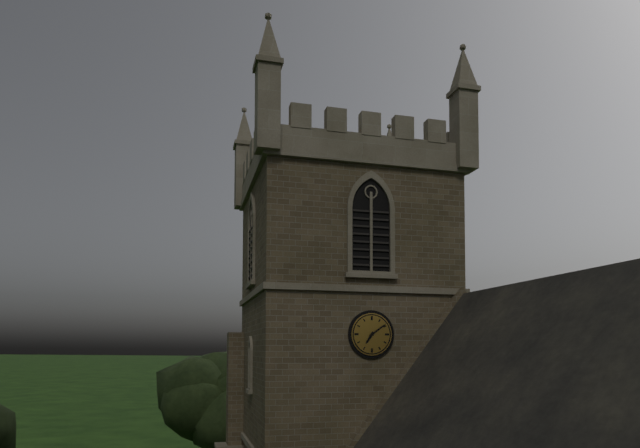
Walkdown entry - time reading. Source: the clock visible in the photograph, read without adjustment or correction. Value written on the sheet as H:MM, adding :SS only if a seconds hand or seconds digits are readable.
7:09
